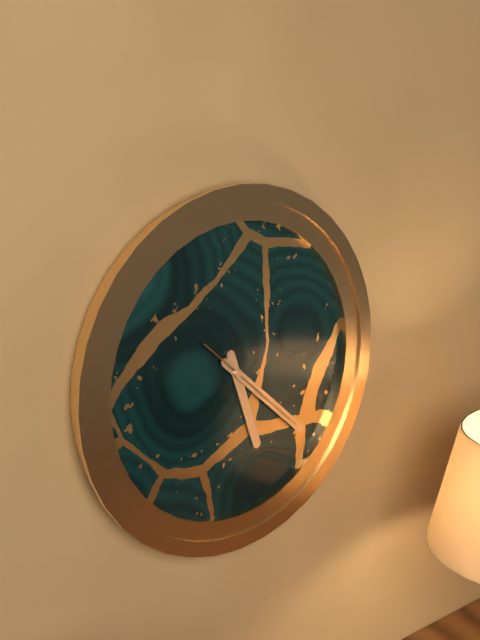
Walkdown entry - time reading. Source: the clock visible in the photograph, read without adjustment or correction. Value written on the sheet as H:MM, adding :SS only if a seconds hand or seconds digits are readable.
5:22:22
